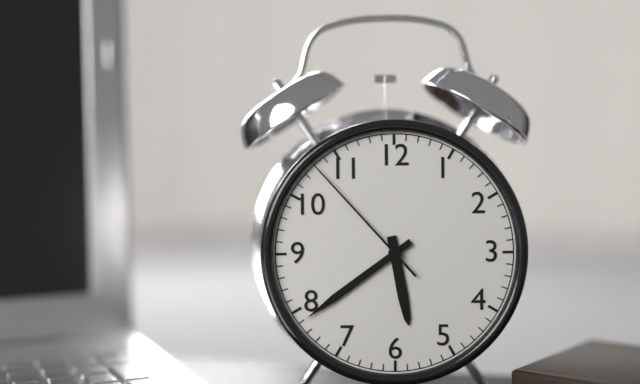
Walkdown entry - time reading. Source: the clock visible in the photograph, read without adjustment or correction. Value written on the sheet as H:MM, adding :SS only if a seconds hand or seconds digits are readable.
5:39:53
